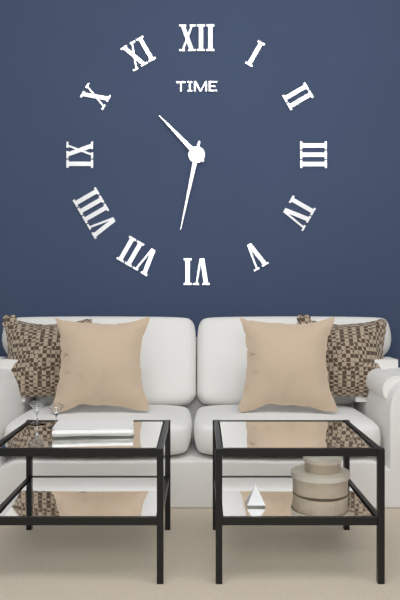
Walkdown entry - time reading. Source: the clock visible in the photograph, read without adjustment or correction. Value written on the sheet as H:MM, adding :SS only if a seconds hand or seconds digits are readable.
10:32
